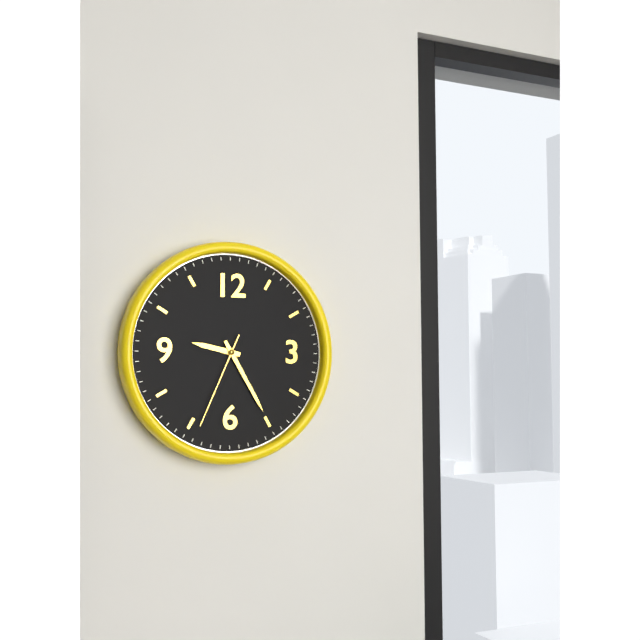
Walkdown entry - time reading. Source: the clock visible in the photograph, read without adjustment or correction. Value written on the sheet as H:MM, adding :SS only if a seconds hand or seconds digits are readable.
9:25:34
